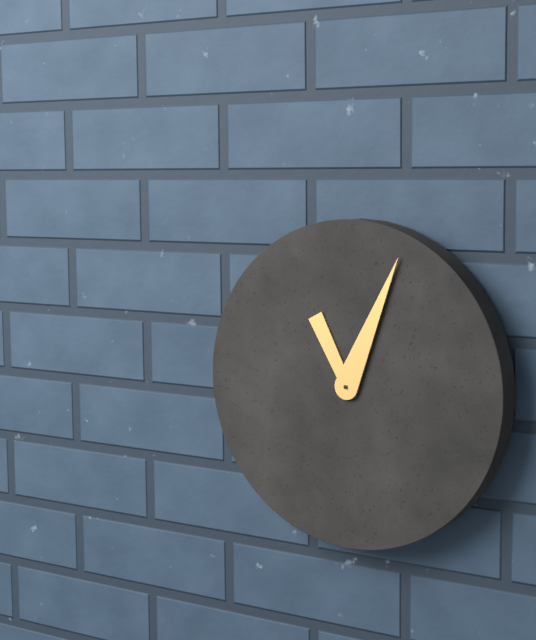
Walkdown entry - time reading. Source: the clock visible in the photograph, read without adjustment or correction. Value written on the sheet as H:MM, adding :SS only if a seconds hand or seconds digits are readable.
11:04
